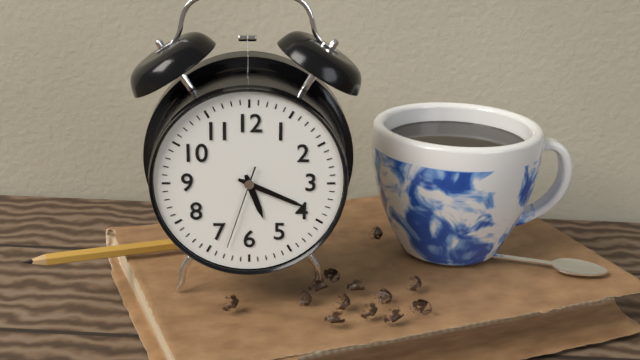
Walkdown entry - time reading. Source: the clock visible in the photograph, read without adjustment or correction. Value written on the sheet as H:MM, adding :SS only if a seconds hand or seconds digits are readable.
5:19:33
